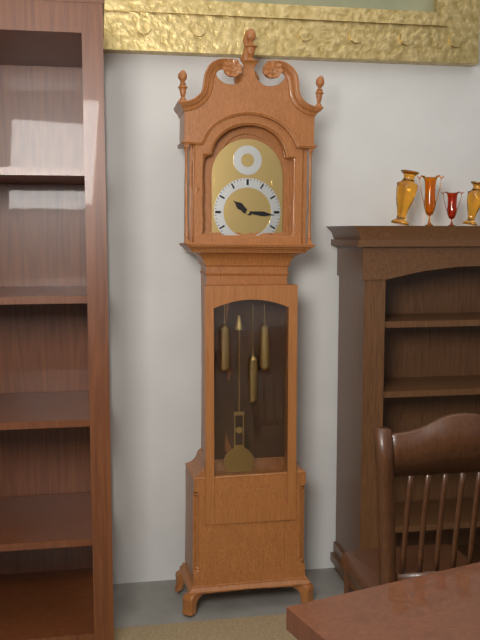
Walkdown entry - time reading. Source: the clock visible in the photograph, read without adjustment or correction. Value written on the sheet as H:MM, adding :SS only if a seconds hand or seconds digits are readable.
10:16
